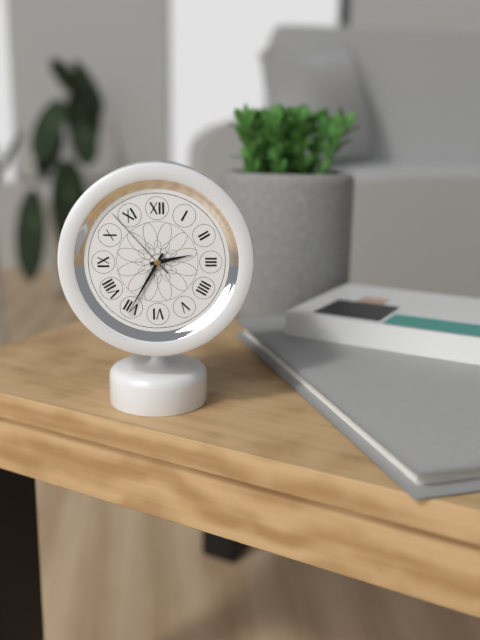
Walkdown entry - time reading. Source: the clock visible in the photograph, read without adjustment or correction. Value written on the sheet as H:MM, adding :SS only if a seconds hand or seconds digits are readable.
2:35:53
